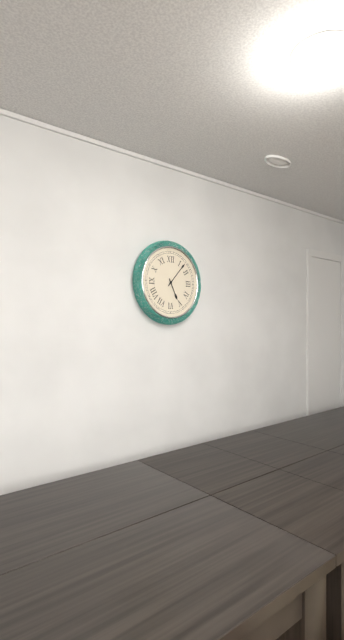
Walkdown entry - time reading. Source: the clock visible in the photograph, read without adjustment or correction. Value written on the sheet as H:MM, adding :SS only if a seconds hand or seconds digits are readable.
5:07
